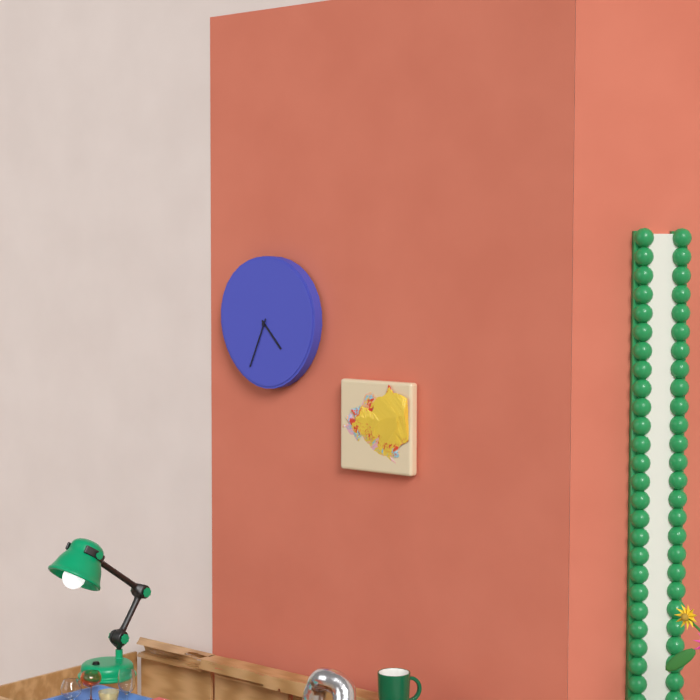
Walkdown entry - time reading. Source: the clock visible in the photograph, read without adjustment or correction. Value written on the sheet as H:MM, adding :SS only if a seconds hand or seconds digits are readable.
4:34
